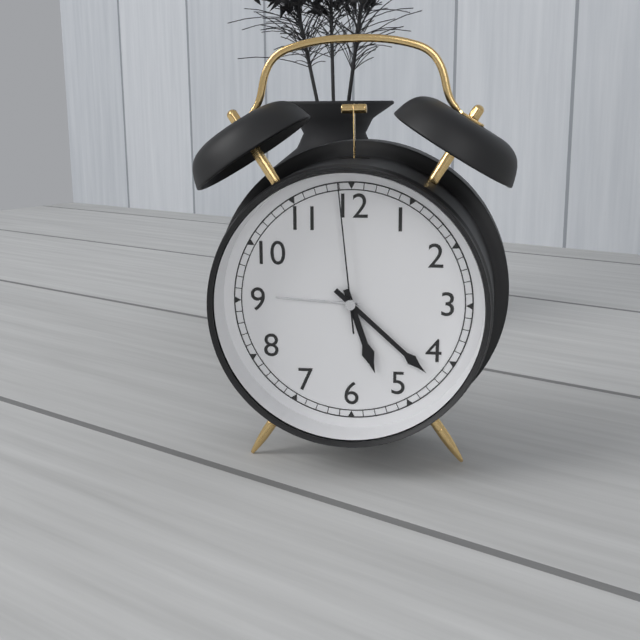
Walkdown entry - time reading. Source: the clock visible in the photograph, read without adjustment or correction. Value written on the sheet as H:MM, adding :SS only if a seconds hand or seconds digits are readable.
5:22:59
